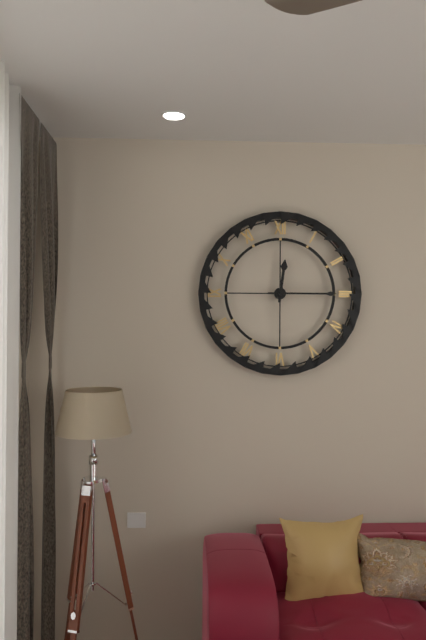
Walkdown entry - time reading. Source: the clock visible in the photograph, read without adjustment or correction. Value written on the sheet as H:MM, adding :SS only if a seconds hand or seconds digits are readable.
12:15
